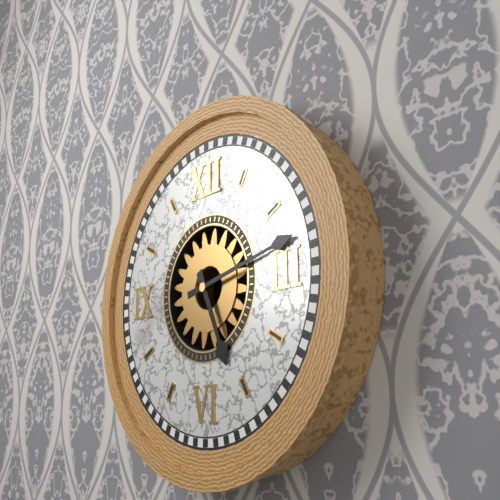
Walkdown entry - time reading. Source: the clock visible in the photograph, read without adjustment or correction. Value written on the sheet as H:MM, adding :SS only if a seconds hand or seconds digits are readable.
5:13
